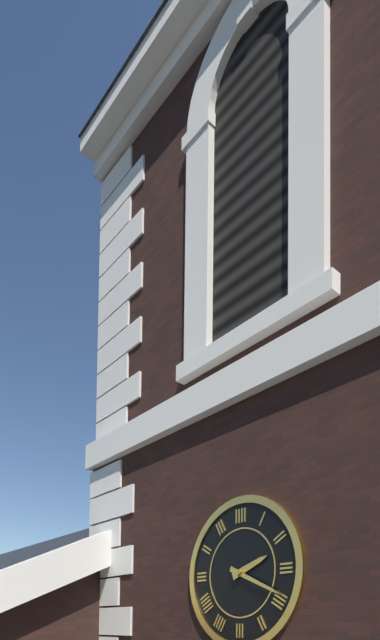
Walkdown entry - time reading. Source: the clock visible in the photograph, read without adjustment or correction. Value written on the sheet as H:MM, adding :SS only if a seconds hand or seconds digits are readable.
2:19
